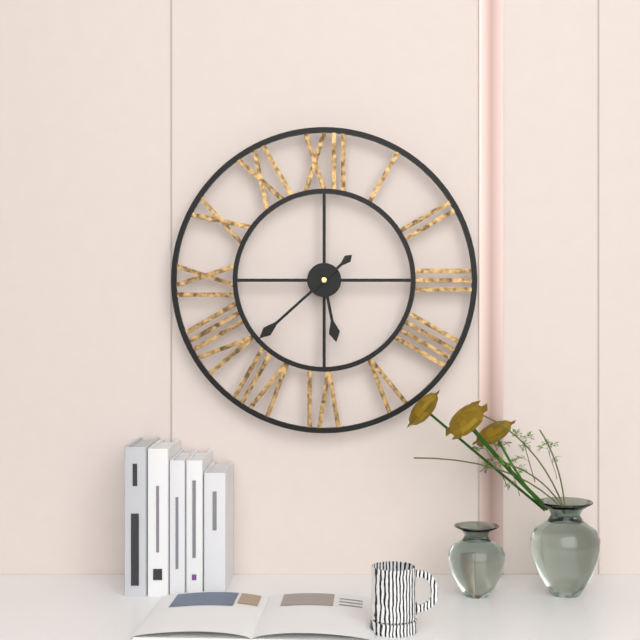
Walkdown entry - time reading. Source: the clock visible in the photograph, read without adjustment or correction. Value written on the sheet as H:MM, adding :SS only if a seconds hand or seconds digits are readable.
5:38
